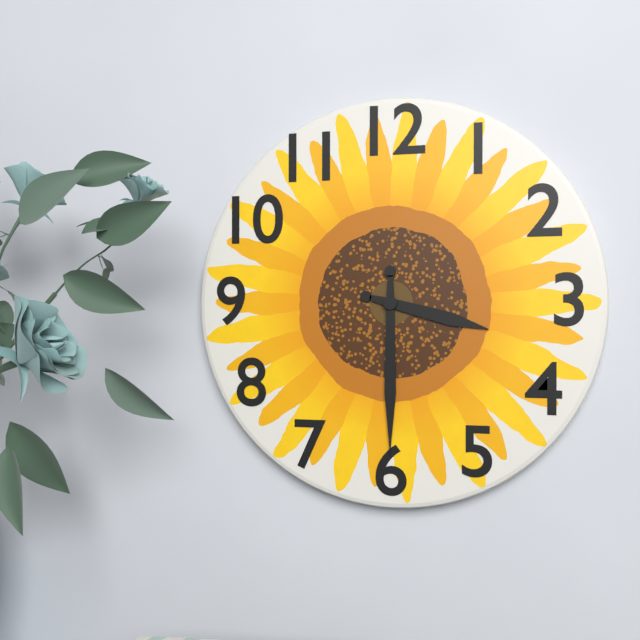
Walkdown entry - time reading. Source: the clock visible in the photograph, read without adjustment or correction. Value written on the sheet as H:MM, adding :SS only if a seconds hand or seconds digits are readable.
3:30
